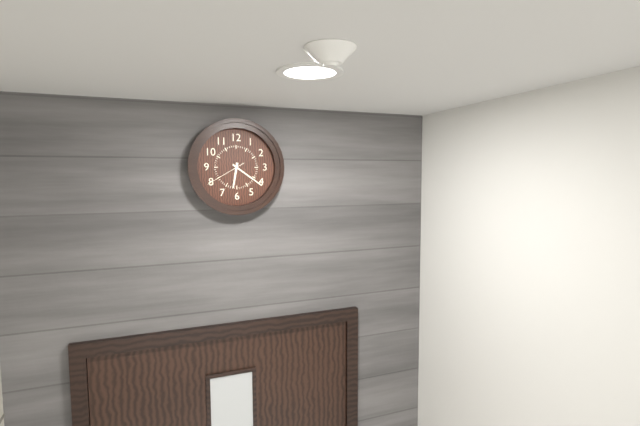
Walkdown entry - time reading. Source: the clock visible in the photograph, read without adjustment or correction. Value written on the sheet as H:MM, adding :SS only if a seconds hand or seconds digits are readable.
6:21
